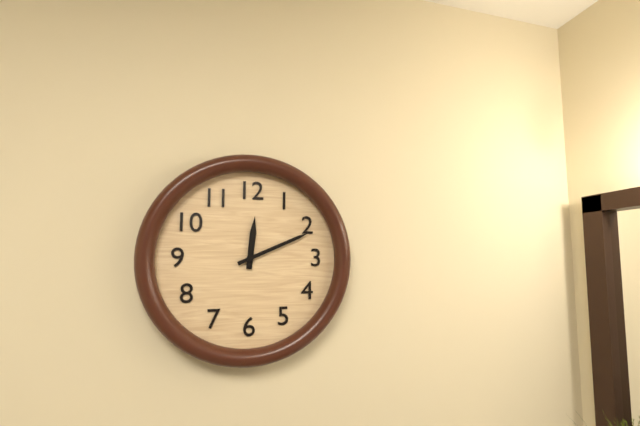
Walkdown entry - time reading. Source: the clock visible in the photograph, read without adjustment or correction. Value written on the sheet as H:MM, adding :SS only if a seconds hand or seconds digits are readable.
12:11
